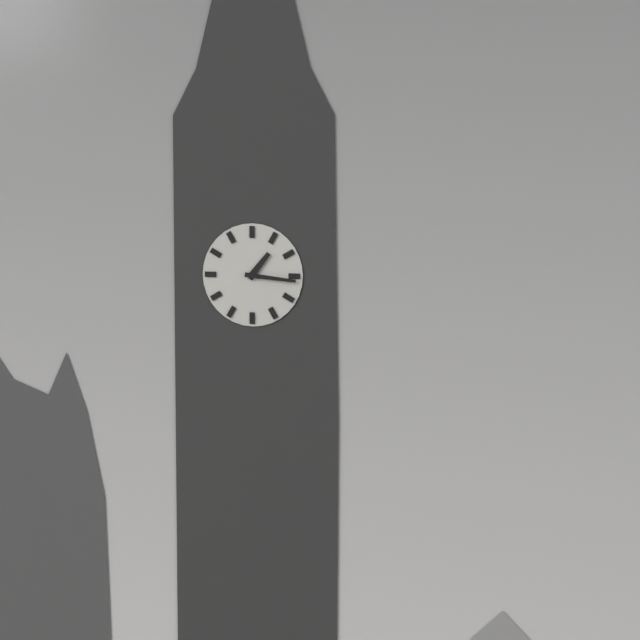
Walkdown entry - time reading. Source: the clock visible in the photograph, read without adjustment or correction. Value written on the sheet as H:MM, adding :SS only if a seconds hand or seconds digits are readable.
1:16
